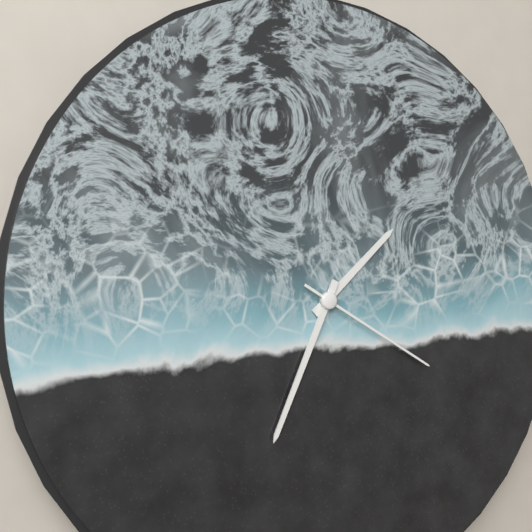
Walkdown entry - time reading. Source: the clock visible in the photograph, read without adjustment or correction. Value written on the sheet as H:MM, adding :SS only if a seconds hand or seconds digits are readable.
1:34:20
